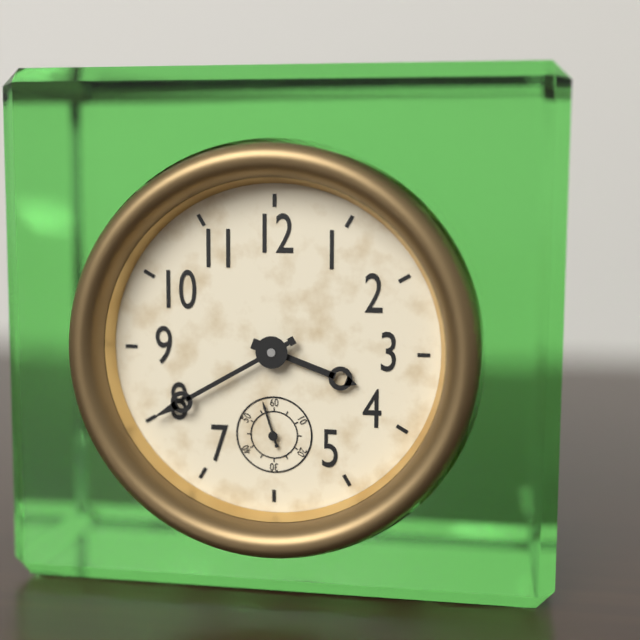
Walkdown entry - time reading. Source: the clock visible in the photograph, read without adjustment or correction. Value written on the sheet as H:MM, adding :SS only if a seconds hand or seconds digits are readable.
3:40
